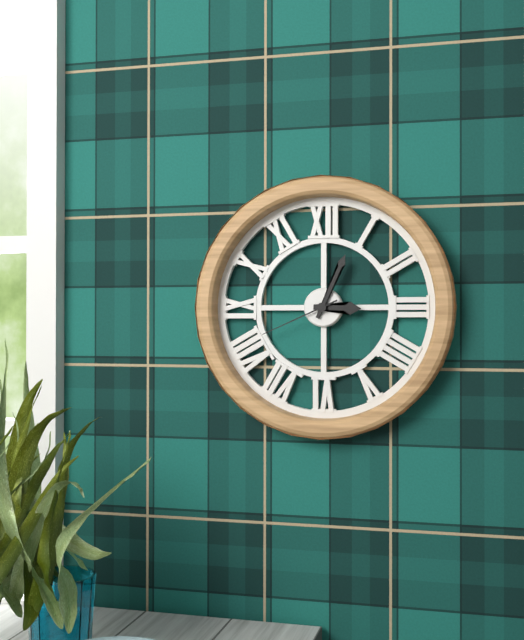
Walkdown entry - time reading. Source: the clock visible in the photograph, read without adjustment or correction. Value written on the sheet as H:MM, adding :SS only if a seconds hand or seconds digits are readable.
3:04:41
